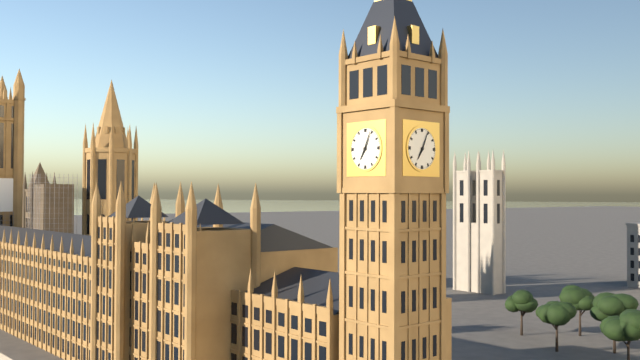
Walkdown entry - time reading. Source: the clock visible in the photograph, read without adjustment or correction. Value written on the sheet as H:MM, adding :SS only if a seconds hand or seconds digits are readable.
7:04
